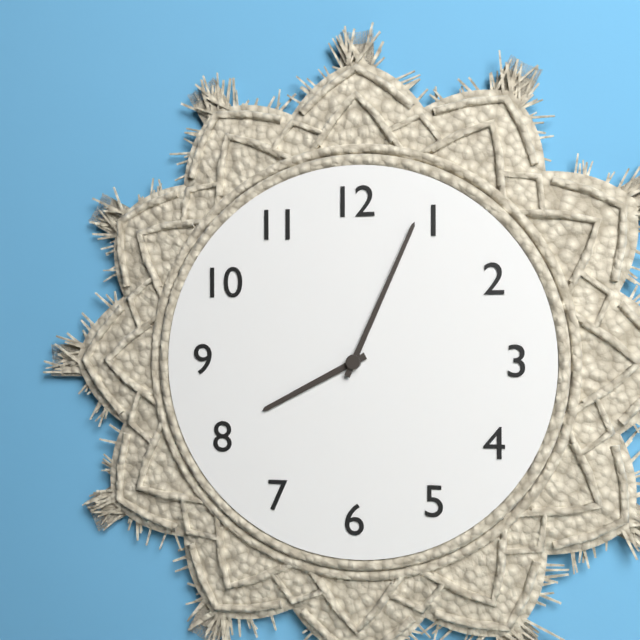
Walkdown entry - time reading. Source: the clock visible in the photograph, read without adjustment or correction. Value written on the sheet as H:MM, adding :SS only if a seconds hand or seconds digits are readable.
8:04
